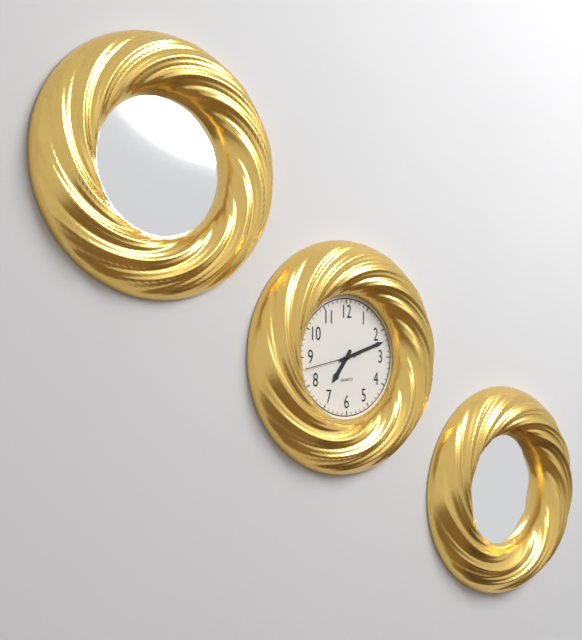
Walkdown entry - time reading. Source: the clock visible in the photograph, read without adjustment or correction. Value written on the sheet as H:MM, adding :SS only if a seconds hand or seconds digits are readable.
7:12:43
